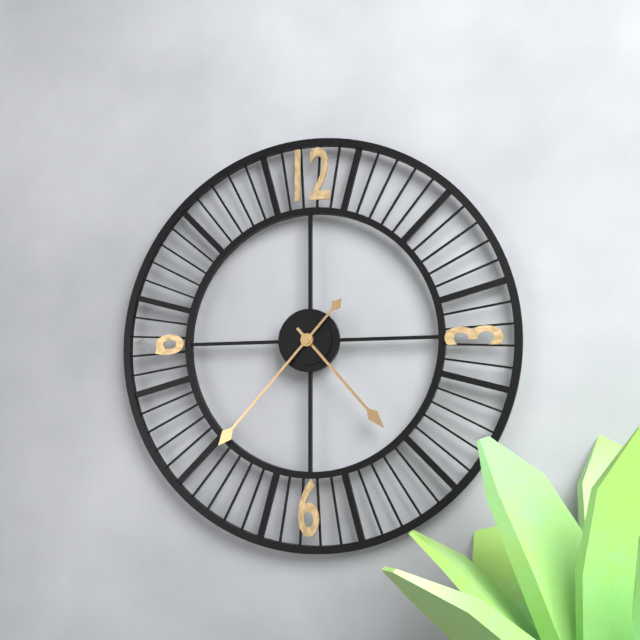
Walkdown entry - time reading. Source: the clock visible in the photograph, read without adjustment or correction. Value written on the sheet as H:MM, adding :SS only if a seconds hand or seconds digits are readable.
4:37
